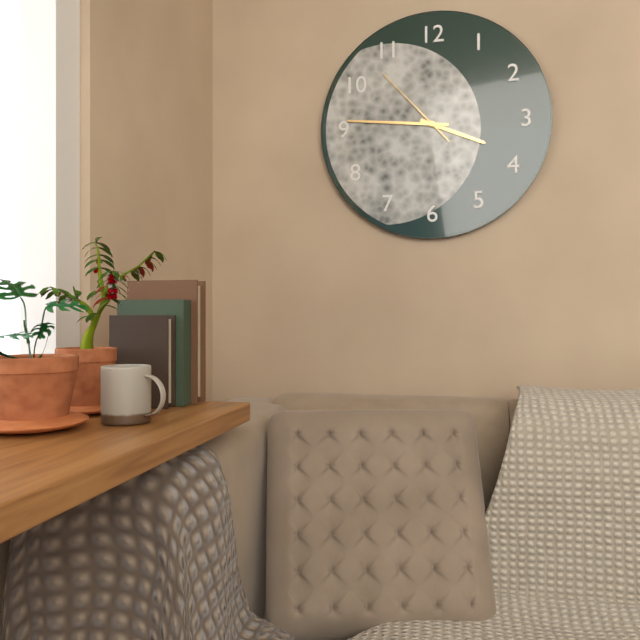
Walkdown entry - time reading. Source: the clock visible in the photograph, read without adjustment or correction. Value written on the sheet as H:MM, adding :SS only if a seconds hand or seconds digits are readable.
3:46:53
